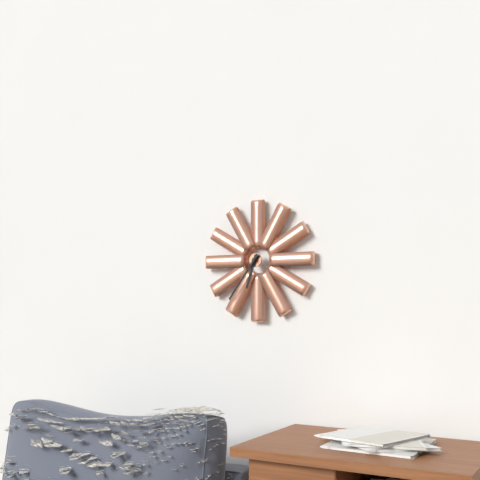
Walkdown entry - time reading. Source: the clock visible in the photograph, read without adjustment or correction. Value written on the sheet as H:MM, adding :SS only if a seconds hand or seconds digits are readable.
6:36
